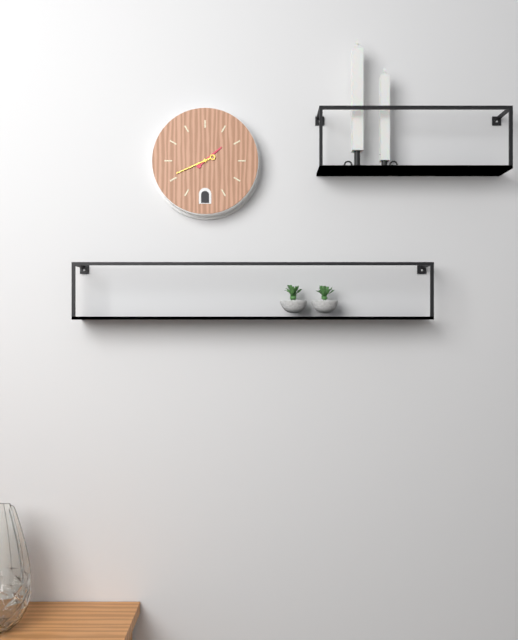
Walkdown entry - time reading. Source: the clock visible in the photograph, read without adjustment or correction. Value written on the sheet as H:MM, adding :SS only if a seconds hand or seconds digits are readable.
1:41
